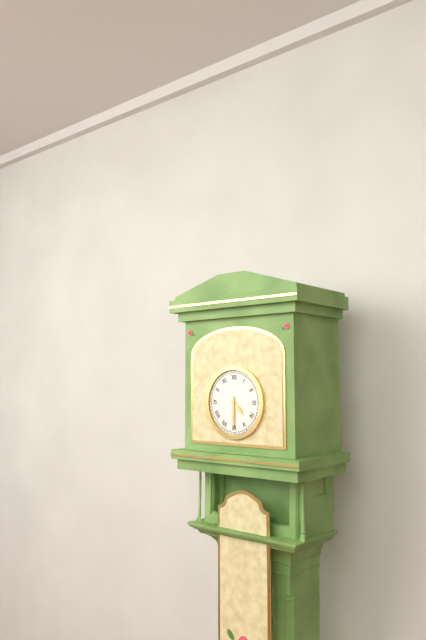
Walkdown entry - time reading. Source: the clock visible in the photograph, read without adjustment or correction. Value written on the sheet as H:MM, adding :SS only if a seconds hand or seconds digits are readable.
4:30
